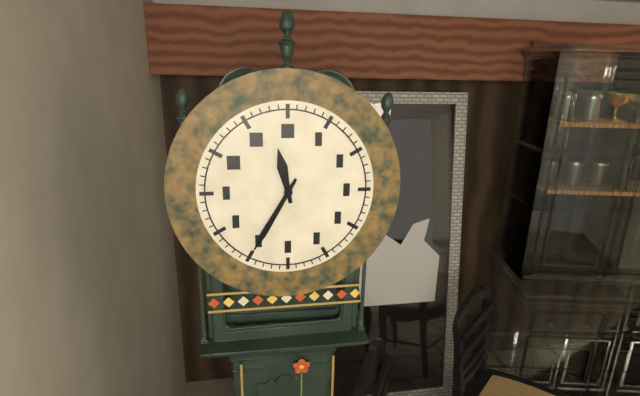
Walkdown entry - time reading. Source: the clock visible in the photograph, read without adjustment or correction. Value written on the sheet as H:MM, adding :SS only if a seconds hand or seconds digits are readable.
11:35
